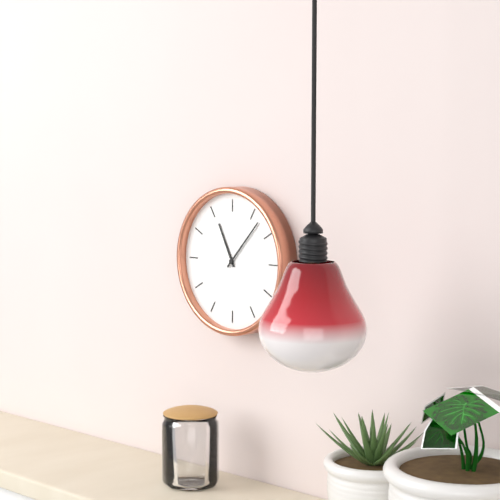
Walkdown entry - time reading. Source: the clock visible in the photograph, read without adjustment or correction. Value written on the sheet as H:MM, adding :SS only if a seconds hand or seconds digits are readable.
11:07
